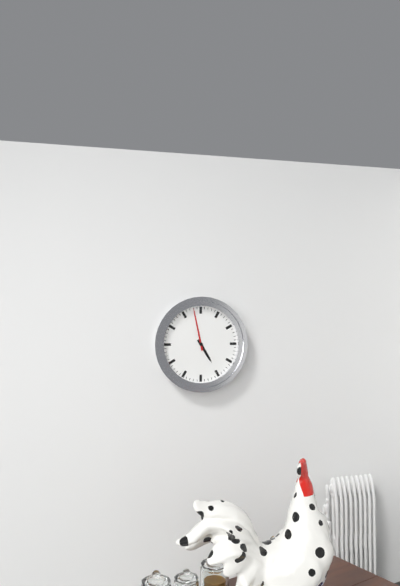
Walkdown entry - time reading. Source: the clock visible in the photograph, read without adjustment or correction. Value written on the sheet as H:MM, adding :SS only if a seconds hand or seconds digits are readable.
4:58
